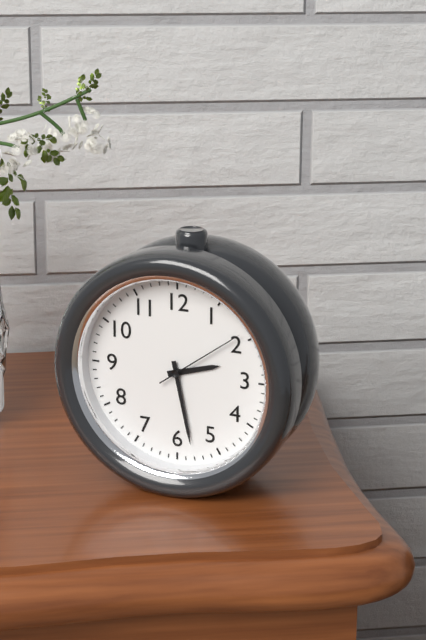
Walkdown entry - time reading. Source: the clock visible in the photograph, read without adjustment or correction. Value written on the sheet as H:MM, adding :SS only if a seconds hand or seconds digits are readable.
2:28:09
